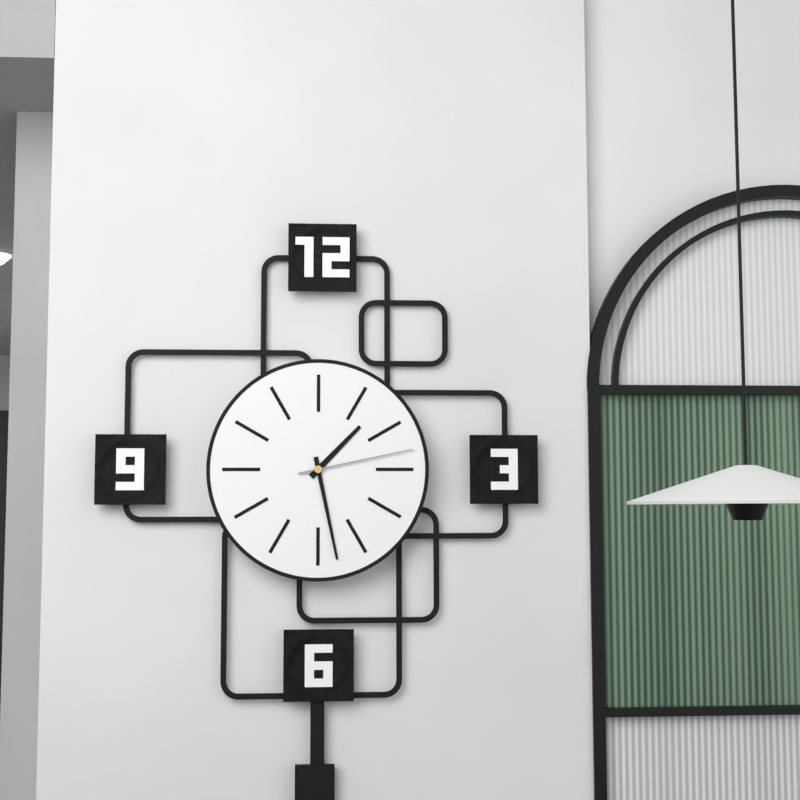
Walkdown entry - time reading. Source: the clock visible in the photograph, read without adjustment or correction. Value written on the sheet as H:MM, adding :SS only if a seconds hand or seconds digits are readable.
1:28:13
